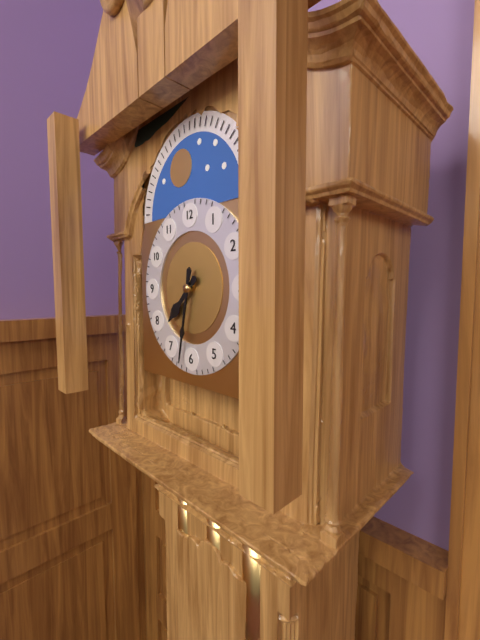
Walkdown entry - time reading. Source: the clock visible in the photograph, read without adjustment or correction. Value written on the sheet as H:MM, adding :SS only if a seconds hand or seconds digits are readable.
7:32
